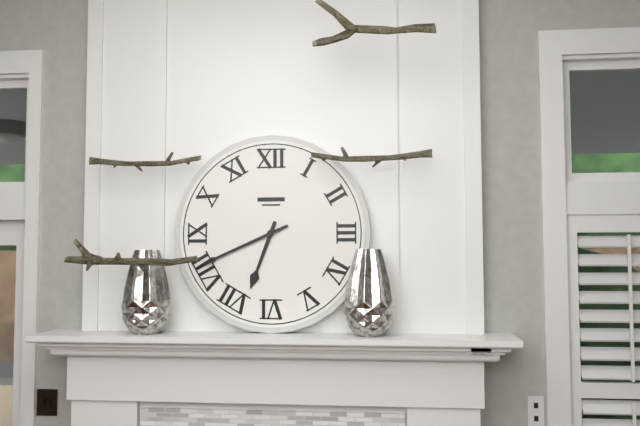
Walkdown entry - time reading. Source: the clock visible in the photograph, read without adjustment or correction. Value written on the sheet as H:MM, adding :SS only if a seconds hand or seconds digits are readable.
6:41
